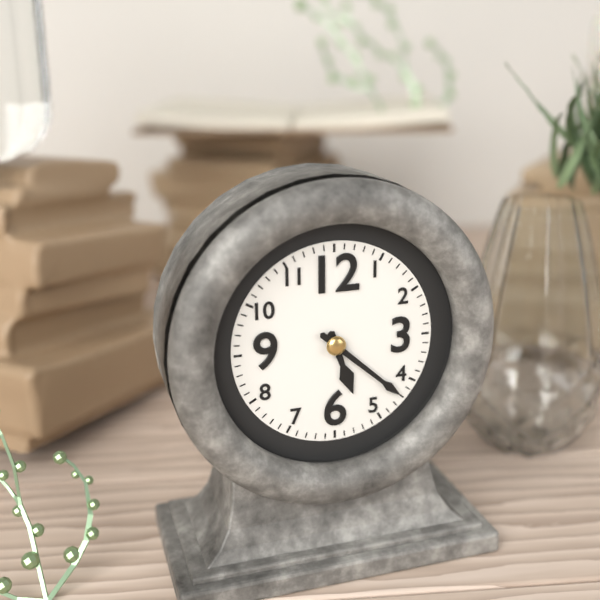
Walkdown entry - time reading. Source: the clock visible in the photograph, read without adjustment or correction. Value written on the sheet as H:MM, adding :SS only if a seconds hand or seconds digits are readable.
5:22
